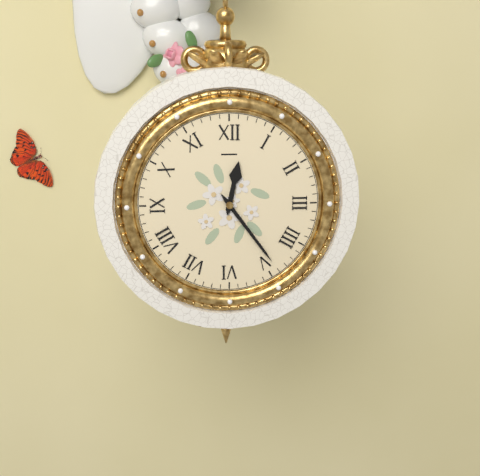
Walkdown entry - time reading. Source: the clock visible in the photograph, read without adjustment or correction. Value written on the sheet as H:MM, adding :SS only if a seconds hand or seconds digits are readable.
12:24
